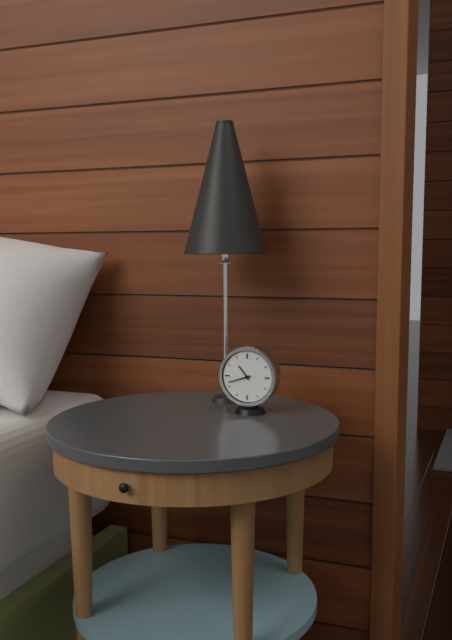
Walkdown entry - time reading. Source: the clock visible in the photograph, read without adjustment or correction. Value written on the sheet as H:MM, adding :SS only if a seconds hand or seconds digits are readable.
10:42
